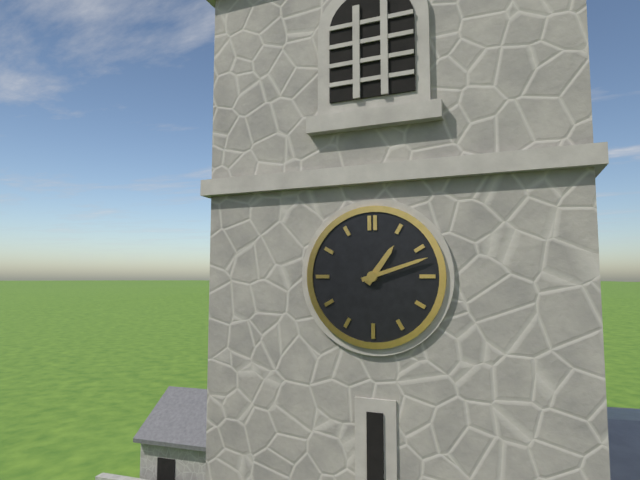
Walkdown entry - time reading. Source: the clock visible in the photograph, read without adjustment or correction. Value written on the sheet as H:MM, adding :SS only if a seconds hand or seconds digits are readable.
1:12
